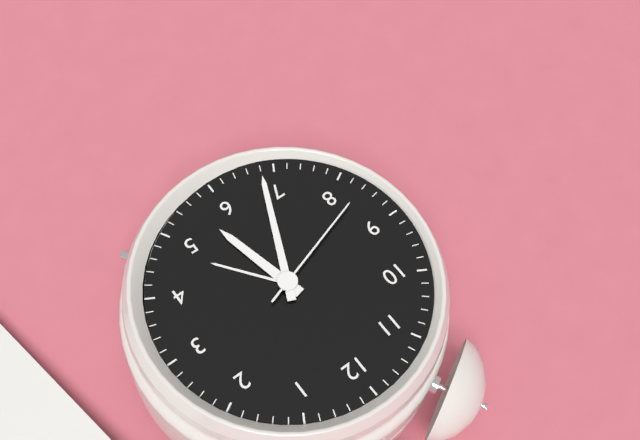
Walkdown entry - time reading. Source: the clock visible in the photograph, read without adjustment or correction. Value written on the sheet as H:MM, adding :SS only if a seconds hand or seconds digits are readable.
5:34:42
